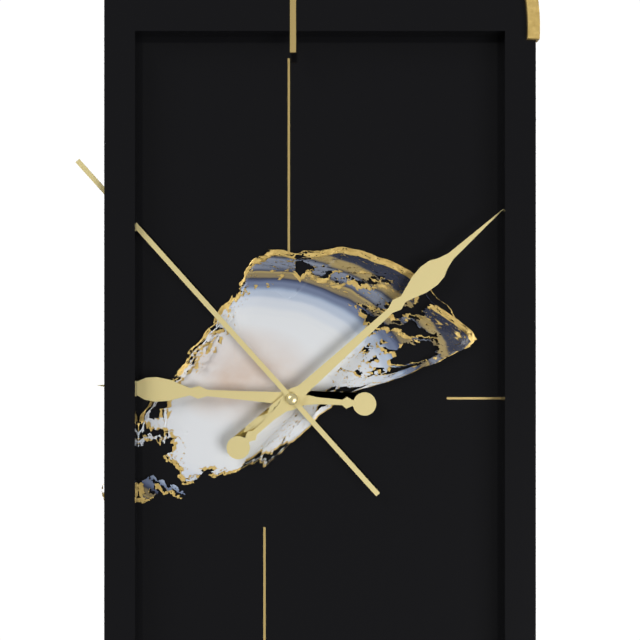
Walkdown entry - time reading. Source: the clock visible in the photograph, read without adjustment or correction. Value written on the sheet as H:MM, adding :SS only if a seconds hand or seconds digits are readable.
9:08:53
